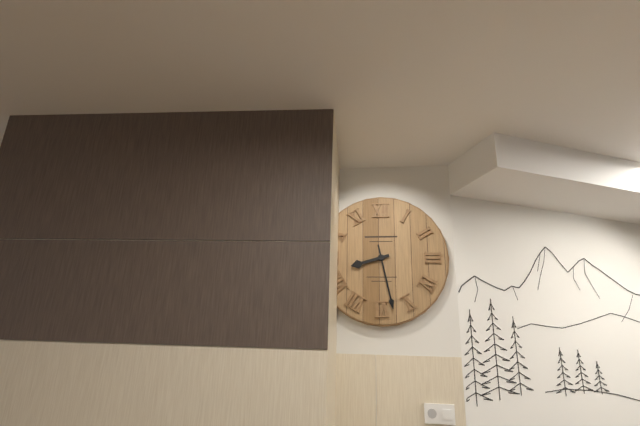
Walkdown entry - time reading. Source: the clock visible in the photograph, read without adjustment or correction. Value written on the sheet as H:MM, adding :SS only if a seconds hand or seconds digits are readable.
8:28
